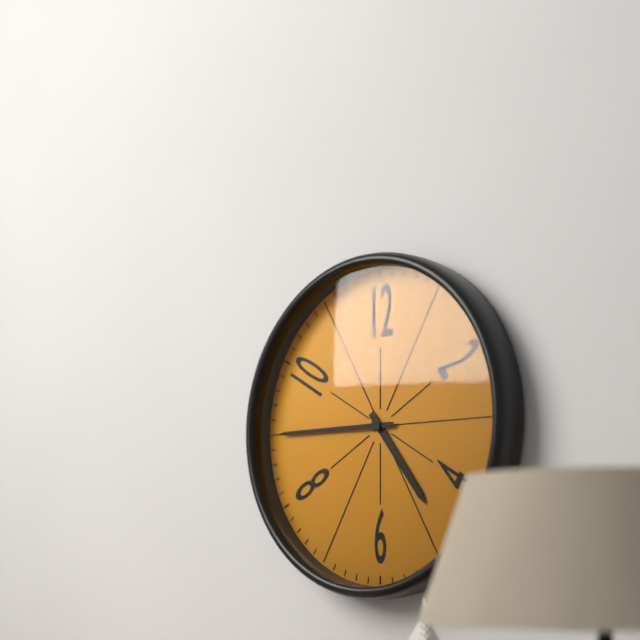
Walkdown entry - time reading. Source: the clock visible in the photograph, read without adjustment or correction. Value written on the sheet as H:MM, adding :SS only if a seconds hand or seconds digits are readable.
4:45
